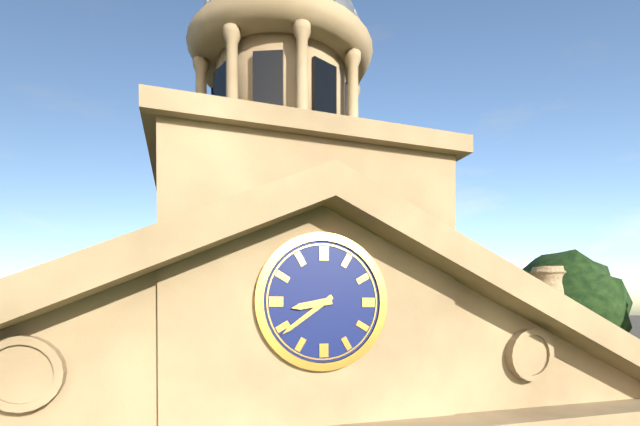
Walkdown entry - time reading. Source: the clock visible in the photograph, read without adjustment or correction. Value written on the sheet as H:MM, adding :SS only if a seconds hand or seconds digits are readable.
8:39
